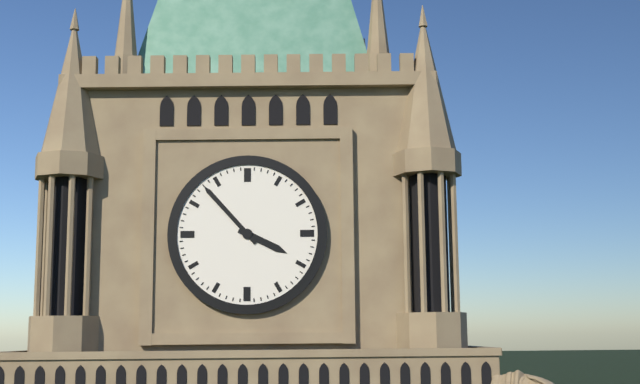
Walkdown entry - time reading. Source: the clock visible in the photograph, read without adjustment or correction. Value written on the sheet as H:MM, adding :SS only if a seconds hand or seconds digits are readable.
3:53
